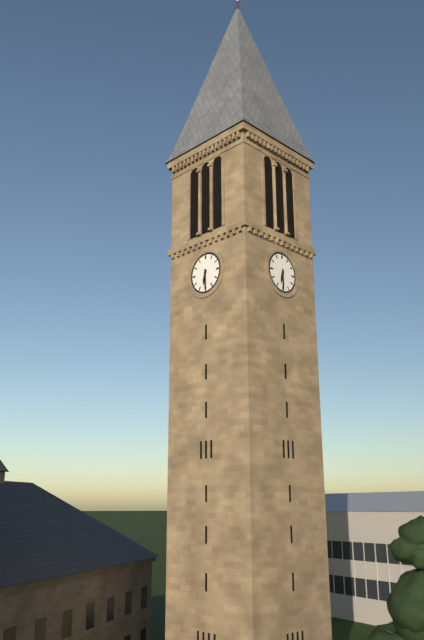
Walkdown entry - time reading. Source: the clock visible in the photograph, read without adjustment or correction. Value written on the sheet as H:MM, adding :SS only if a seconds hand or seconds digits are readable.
6:30
